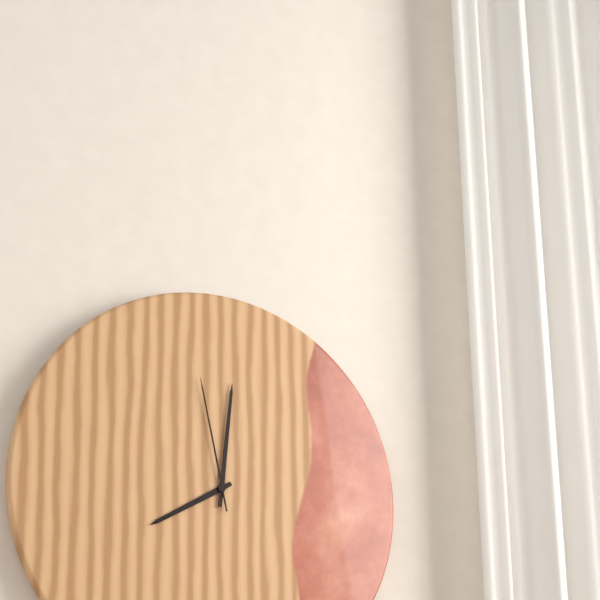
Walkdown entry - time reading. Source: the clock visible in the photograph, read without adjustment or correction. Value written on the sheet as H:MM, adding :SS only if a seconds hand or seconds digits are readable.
8:01:58
